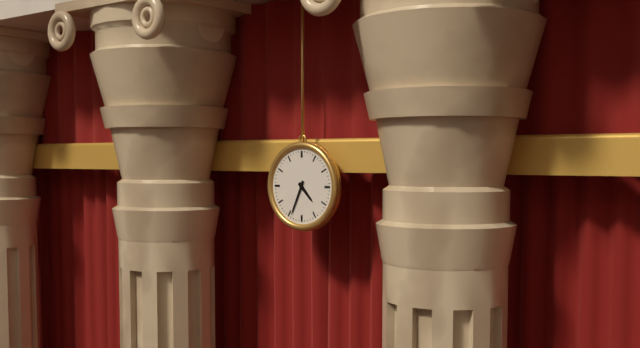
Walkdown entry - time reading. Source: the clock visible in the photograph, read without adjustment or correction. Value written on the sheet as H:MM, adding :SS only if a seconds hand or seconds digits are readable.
4:34
